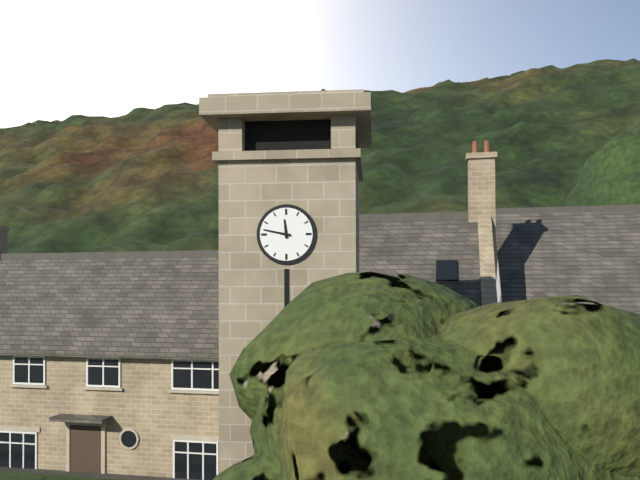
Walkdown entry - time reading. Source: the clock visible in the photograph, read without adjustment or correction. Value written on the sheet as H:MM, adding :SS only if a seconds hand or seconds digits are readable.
11:47
